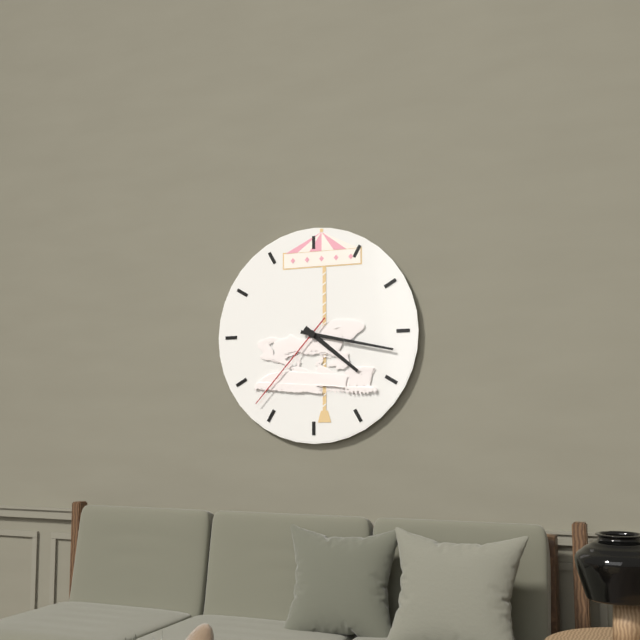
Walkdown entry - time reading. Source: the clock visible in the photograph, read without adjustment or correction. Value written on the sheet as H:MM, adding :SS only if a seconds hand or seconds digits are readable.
4:17:37
